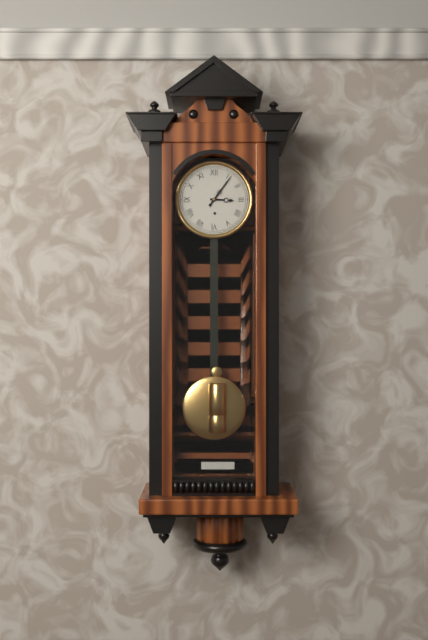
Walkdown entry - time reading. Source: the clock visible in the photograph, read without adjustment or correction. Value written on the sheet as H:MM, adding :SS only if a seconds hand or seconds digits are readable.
3:06
